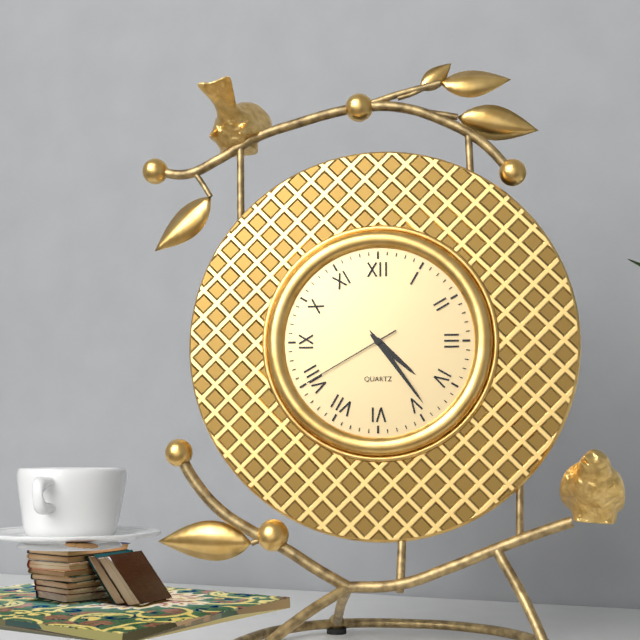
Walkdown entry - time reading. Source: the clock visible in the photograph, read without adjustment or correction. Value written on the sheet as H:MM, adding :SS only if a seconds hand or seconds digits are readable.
4:24:40
